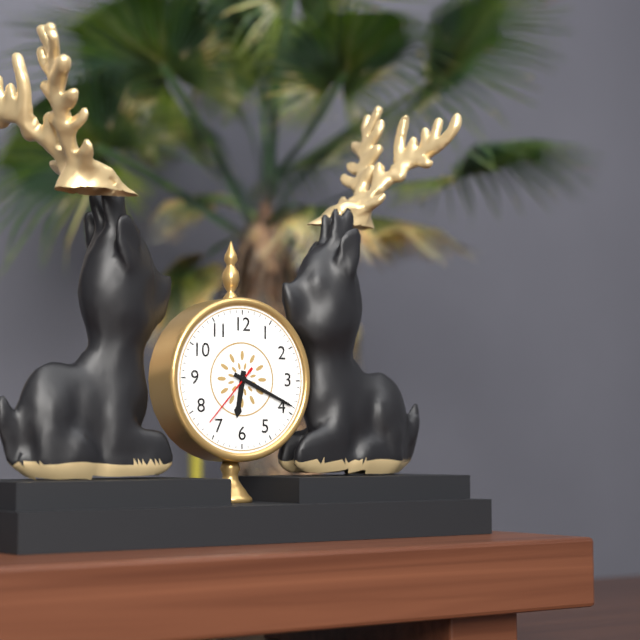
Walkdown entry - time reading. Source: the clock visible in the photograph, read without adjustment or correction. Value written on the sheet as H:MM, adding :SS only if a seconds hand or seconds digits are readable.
6:19:37
